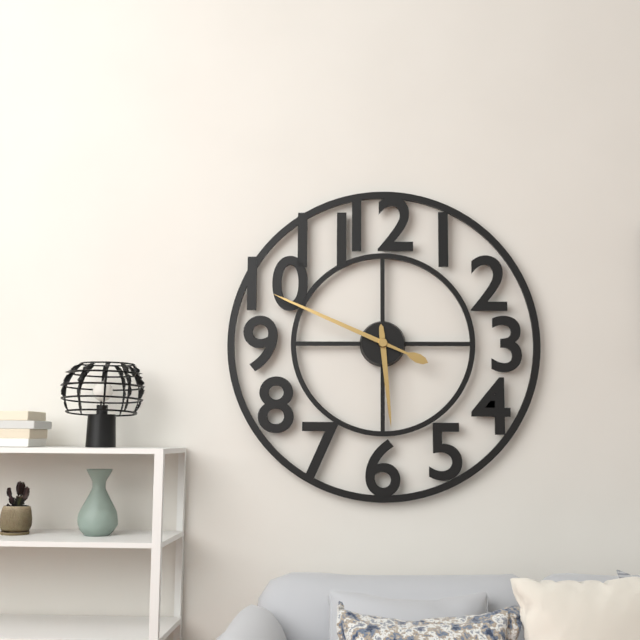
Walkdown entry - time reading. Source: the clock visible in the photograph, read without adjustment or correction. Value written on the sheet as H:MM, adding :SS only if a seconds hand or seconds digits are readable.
5:49
